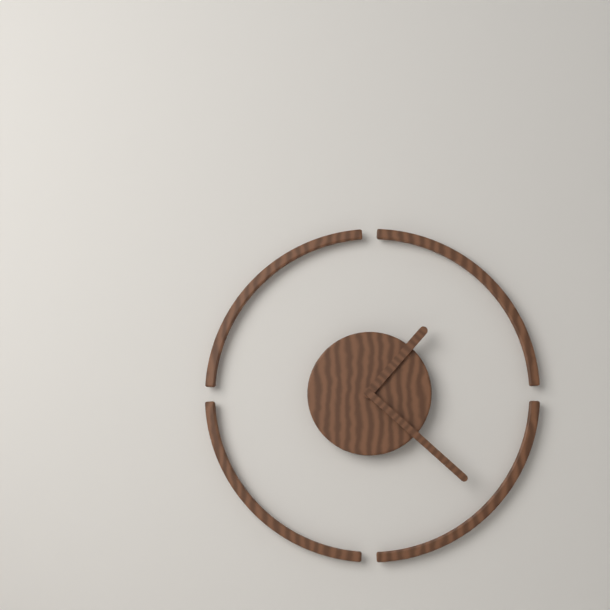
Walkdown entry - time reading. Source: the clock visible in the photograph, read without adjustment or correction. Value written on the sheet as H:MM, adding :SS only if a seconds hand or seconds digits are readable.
1:22
